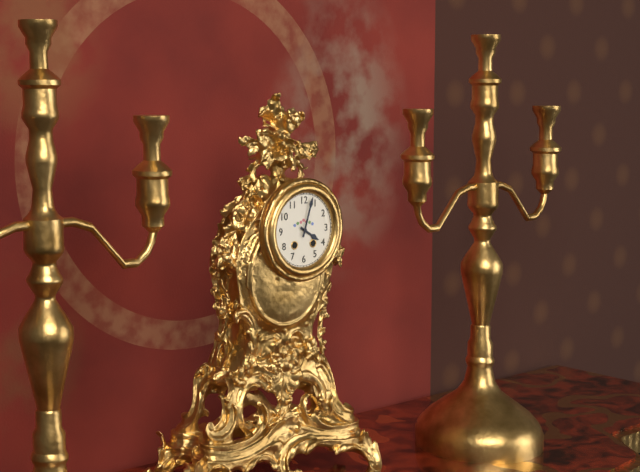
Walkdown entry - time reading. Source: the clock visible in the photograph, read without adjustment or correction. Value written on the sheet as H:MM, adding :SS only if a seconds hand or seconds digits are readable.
4:03
